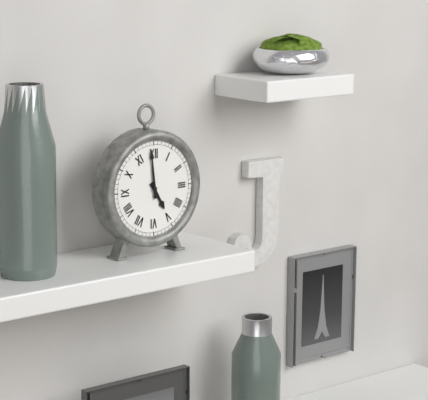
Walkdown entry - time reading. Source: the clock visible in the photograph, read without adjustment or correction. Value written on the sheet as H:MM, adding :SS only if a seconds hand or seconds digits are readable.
4:59
